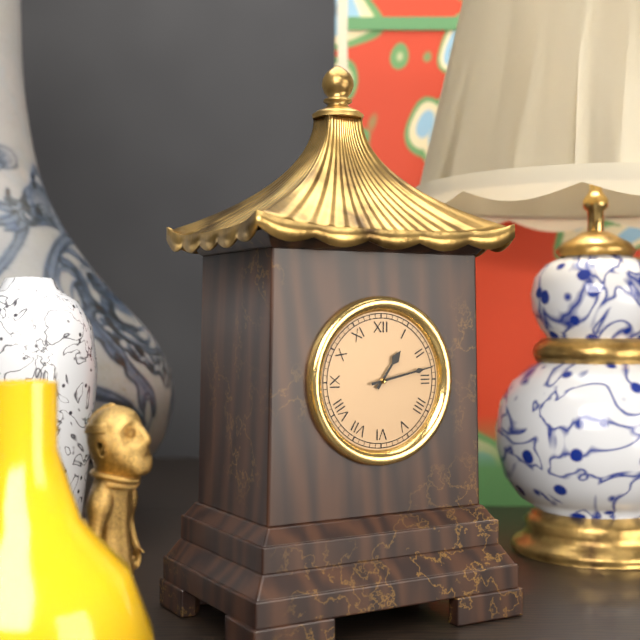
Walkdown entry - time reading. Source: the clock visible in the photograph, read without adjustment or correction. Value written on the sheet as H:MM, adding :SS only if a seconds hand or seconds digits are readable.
1:13
